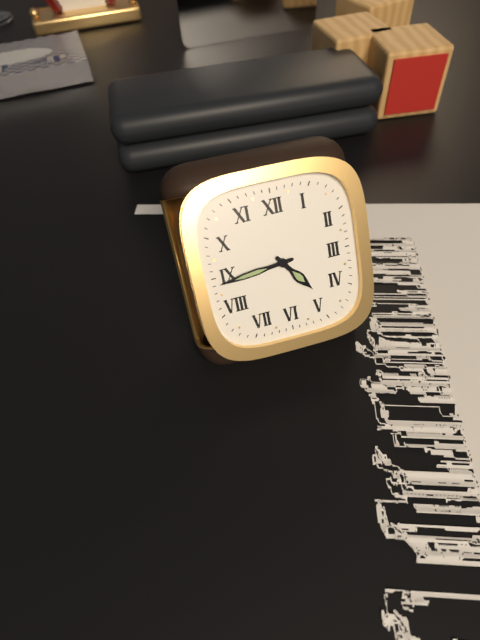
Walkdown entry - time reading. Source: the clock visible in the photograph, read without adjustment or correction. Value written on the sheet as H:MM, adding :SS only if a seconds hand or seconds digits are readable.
4:44
